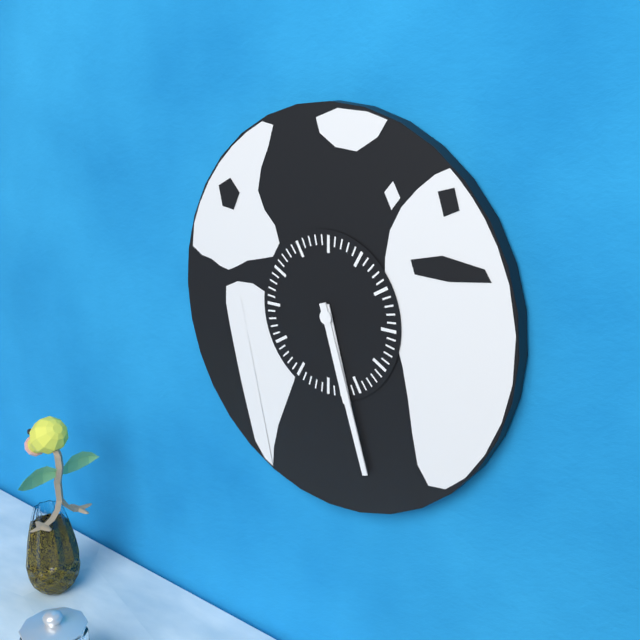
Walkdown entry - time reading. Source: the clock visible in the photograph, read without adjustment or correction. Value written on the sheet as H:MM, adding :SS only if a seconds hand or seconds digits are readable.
5:27
